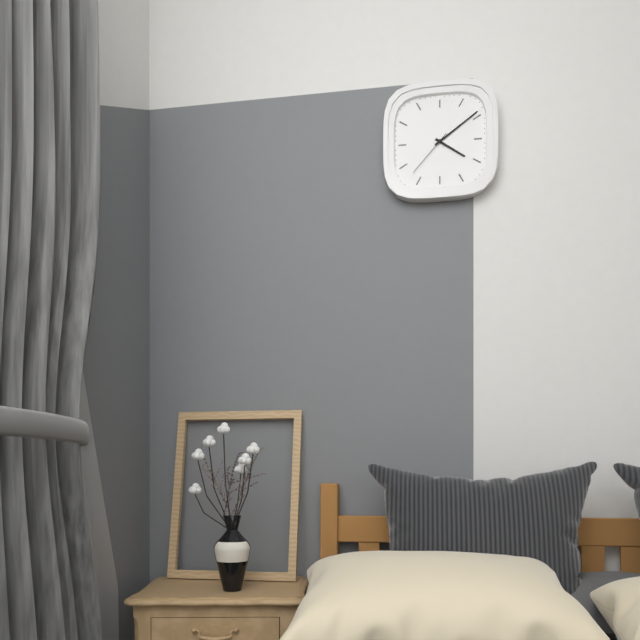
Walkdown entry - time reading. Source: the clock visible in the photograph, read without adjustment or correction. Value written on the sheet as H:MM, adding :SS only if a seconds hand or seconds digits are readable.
4:09:37
